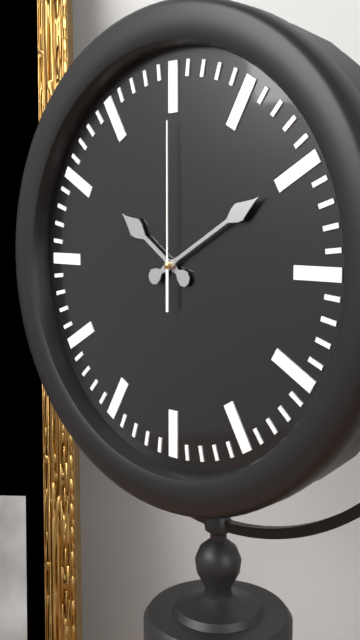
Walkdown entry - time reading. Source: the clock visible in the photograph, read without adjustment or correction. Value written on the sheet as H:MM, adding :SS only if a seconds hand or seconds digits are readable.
10:10:00
